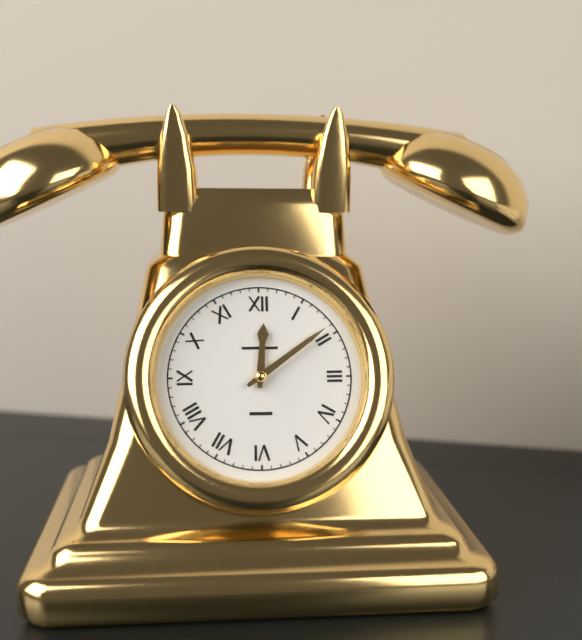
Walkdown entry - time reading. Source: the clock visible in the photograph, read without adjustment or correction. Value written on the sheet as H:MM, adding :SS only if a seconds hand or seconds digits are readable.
12:09
